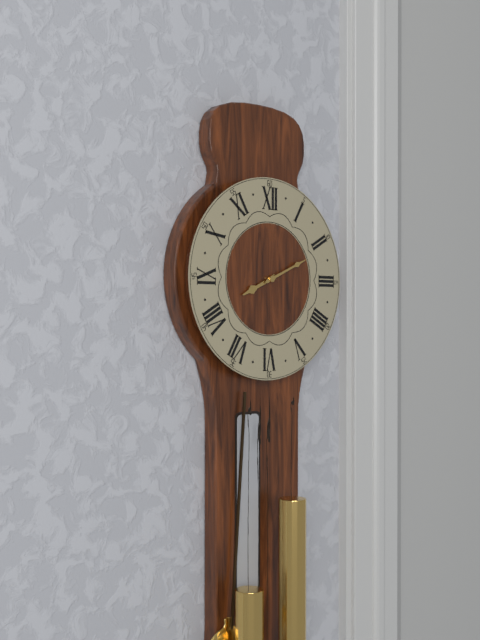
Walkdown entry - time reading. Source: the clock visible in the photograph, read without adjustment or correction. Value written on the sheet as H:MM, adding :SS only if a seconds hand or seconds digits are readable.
8:11
